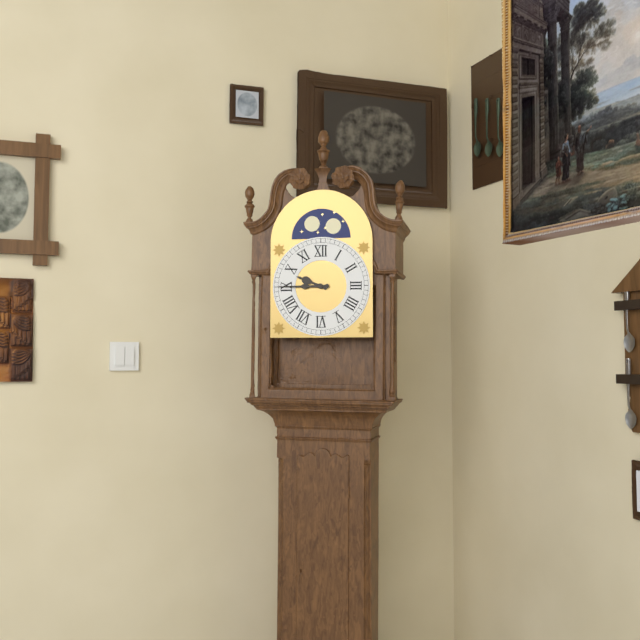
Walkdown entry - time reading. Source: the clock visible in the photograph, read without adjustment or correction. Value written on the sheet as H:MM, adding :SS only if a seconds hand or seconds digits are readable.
9:45
